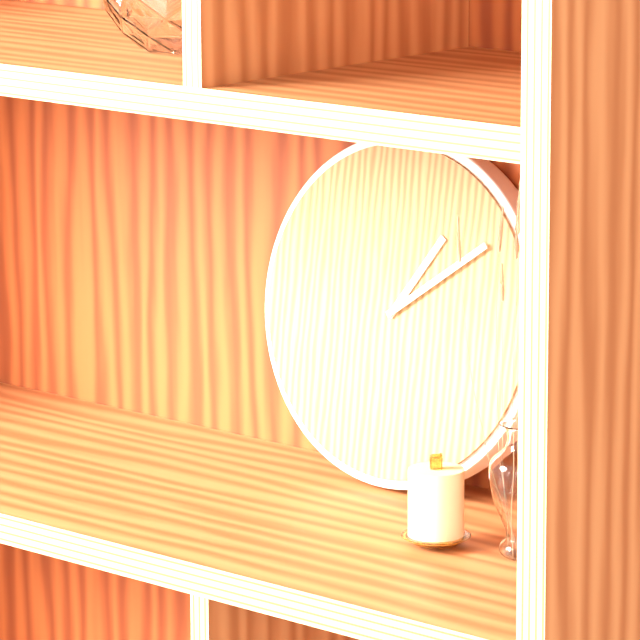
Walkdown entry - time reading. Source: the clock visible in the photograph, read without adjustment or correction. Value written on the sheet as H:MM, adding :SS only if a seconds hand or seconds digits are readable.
1:09
